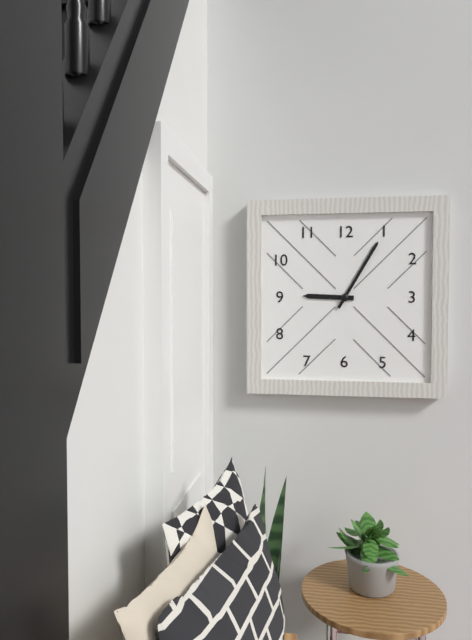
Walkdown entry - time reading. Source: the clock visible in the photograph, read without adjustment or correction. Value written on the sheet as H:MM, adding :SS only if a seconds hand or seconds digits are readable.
9:05
